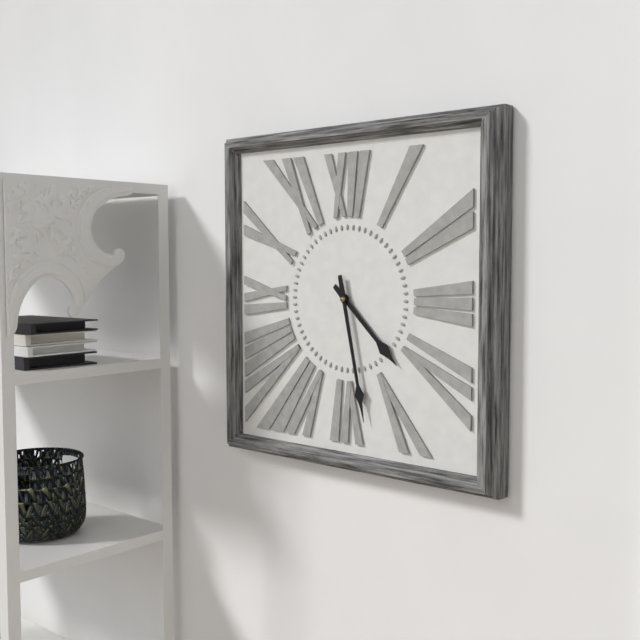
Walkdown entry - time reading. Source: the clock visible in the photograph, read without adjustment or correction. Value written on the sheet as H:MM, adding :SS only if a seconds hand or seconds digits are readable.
4:28
